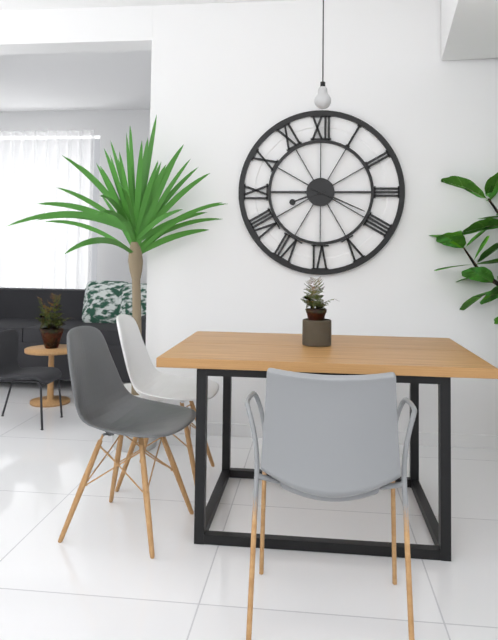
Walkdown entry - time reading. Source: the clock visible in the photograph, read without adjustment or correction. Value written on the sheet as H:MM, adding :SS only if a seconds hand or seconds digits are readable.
8:19
